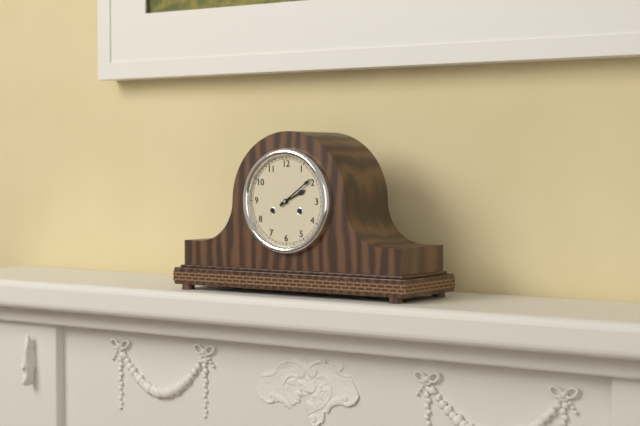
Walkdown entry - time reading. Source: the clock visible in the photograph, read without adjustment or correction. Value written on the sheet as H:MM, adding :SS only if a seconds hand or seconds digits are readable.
2:09
